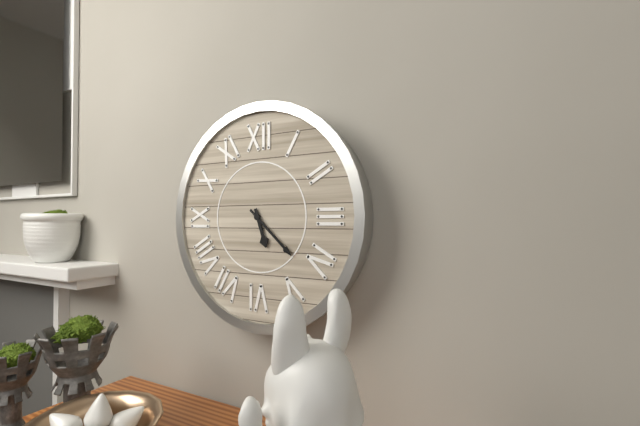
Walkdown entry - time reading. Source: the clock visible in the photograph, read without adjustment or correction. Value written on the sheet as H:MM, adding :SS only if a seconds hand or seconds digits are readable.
5:22
